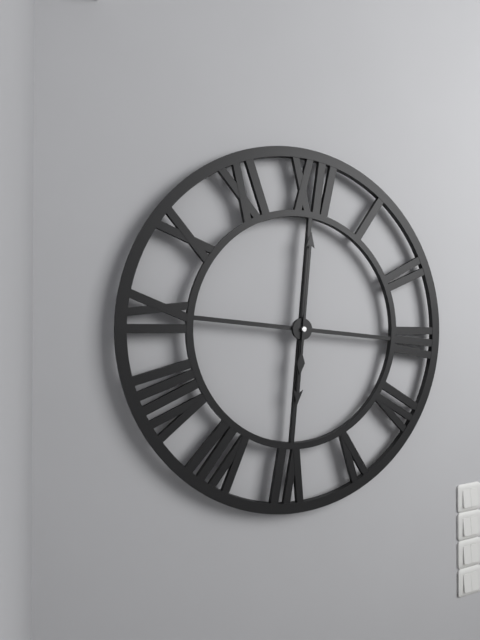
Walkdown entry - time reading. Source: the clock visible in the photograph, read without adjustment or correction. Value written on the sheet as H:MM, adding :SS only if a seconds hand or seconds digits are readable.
6:00
